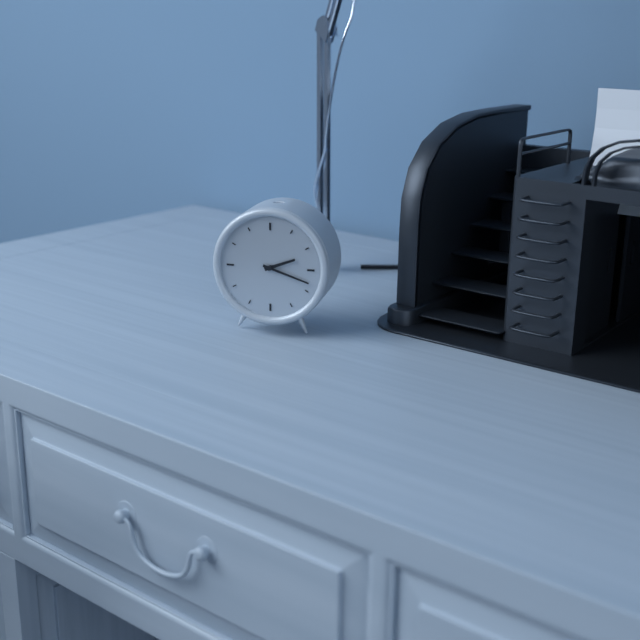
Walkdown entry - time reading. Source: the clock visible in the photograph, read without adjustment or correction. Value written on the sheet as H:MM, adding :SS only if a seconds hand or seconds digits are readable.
2:18
